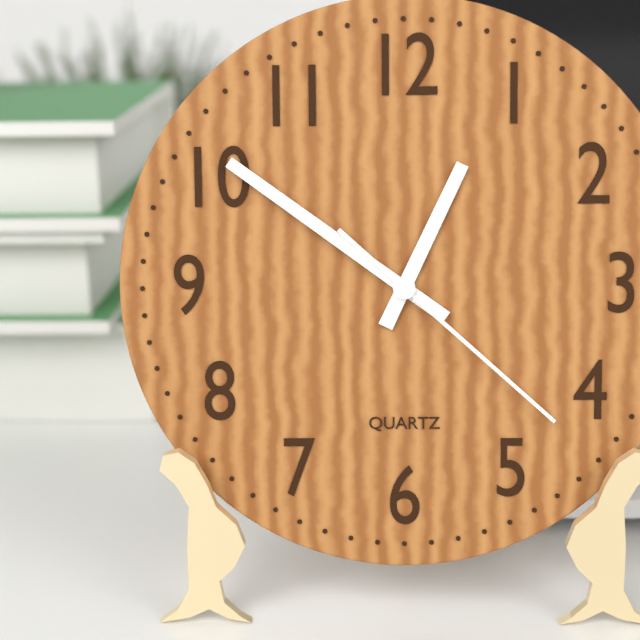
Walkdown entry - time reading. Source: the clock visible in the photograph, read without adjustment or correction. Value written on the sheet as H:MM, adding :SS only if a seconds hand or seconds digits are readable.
12:51:22
